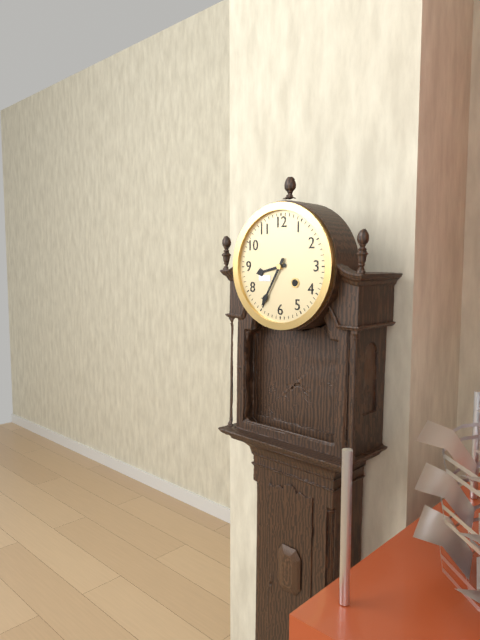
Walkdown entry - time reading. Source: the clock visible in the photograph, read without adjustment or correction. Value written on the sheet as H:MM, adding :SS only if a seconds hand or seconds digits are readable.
8:35
